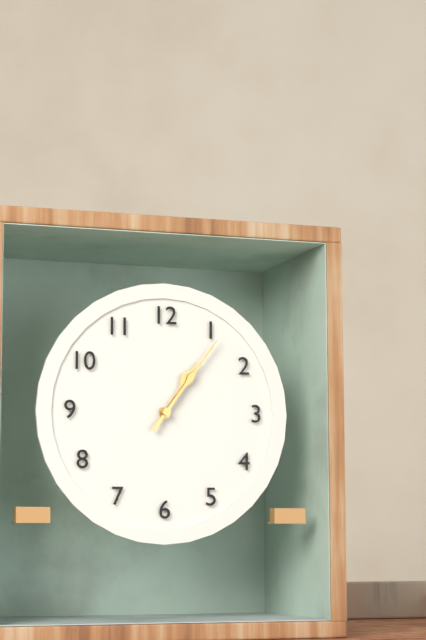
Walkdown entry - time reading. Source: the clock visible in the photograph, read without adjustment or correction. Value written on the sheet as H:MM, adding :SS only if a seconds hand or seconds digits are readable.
1:06
